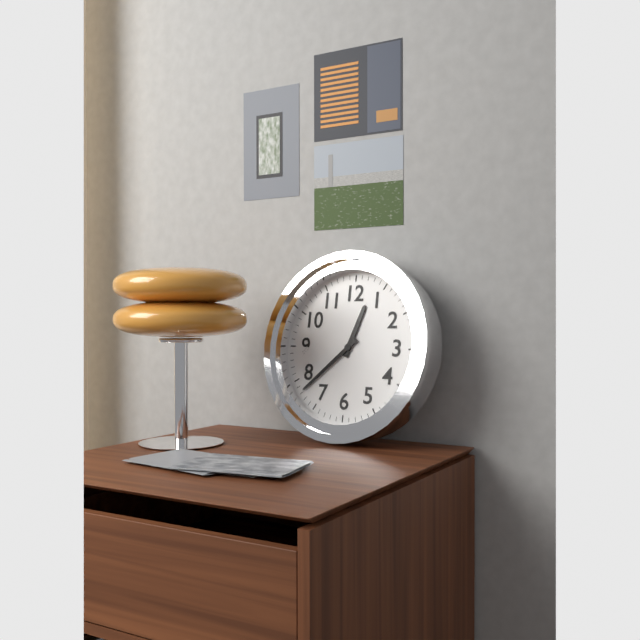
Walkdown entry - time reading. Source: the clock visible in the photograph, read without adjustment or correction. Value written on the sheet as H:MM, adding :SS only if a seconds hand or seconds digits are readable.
12:38
